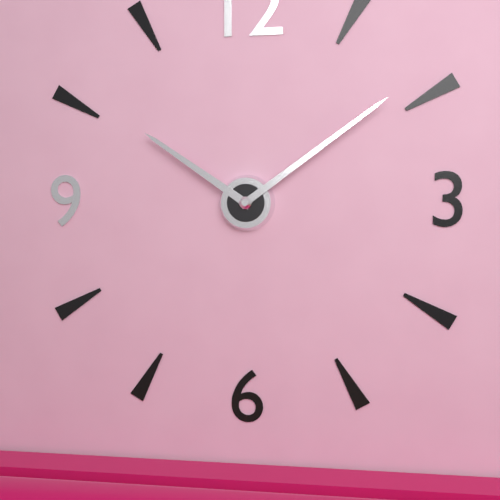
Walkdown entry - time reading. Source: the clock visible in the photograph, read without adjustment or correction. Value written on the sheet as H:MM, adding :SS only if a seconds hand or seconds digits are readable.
10:09
